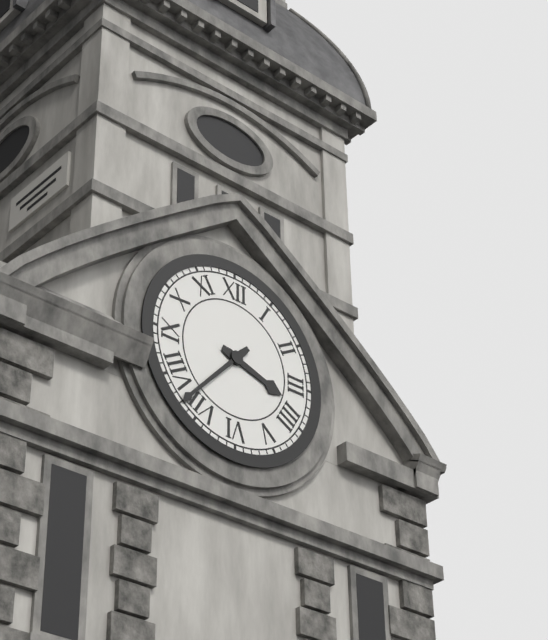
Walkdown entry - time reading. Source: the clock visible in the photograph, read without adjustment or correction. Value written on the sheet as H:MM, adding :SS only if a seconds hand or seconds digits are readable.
3:37
